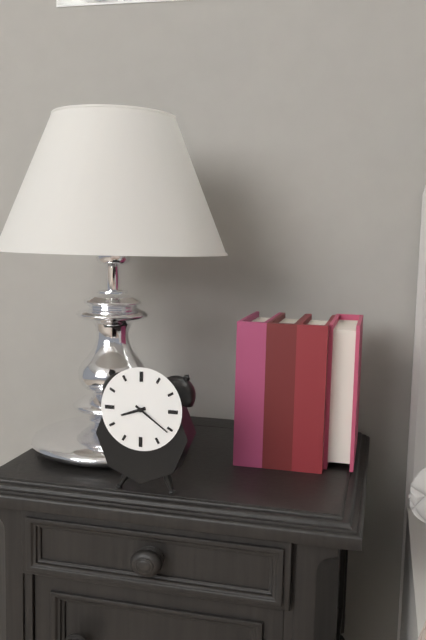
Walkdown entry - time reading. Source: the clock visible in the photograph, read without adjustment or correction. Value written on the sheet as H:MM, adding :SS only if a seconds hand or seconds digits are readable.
8:21
